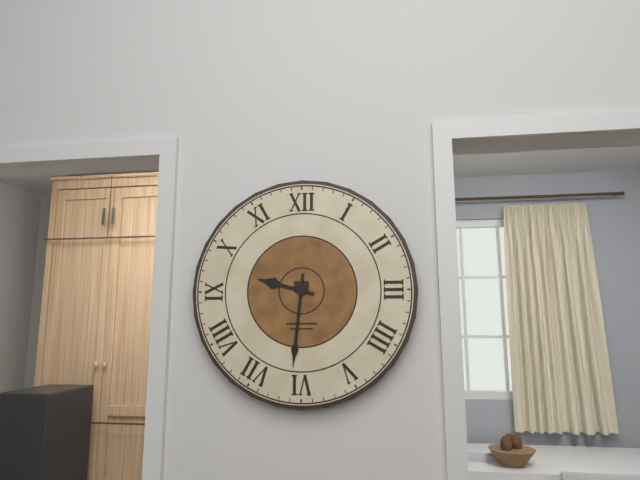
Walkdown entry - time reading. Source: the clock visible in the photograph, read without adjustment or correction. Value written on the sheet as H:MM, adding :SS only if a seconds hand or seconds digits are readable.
9:31
